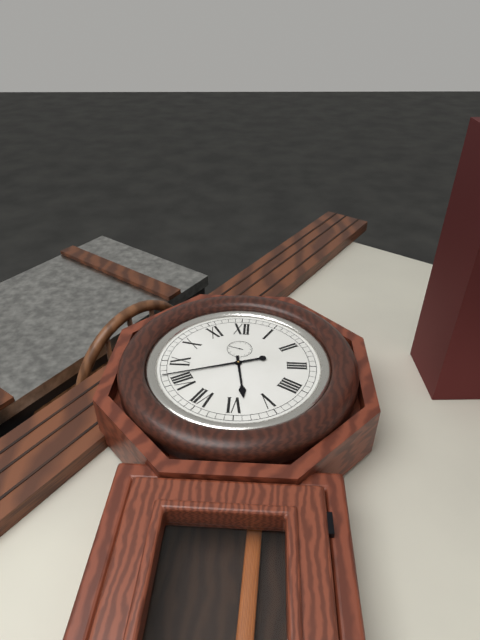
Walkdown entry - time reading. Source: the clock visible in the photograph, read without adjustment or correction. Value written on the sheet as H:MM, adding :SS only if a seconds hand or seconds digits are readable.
5:42
